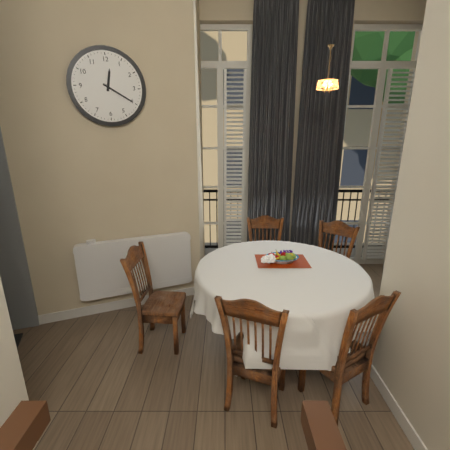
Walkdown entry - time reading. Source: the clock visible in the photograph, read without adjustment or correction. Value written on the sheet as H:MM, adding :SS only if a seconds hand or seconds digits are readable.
12:20
